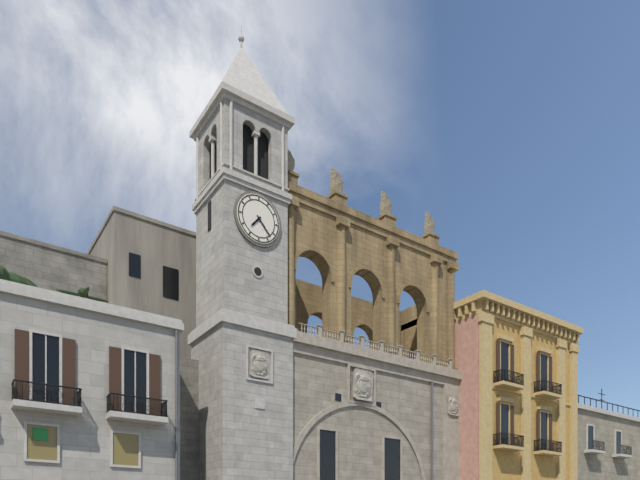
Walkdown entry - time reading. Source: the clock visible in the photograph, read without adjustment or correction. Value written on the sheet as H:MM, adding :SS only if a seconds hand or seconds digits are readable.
7:23
